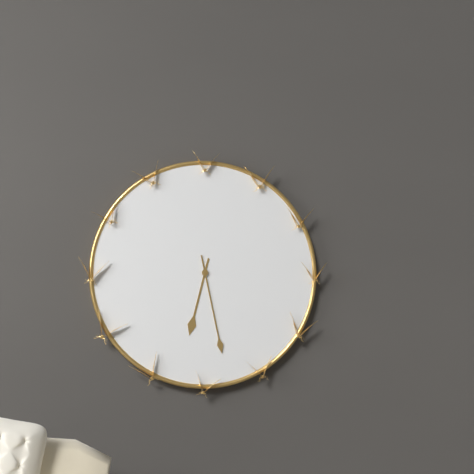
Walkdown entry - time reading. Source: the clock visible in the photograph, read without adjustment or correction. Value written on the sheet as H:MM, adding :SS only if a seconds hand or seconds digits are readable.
6:28
